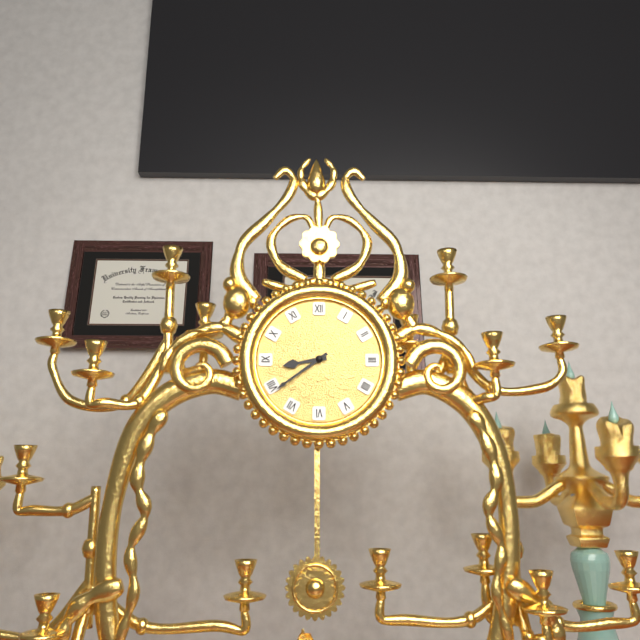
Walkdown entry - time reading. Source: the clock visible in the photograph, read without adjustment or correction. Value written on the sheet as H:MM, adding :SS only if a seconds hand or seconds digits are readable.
8:39
